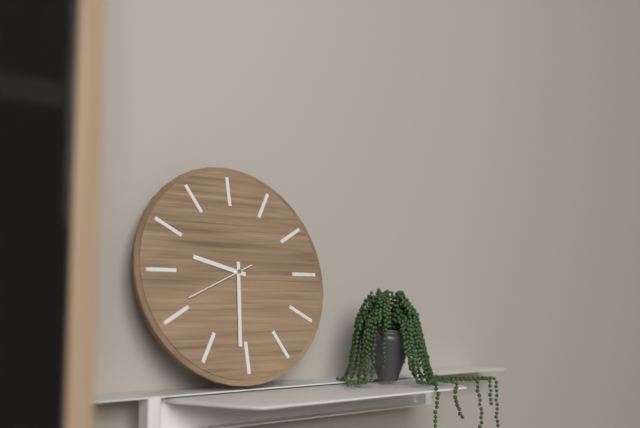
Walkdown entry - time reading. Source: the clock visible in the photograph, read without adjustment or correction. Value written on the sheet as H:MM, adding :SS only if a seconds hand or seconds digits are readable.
9:31:41
